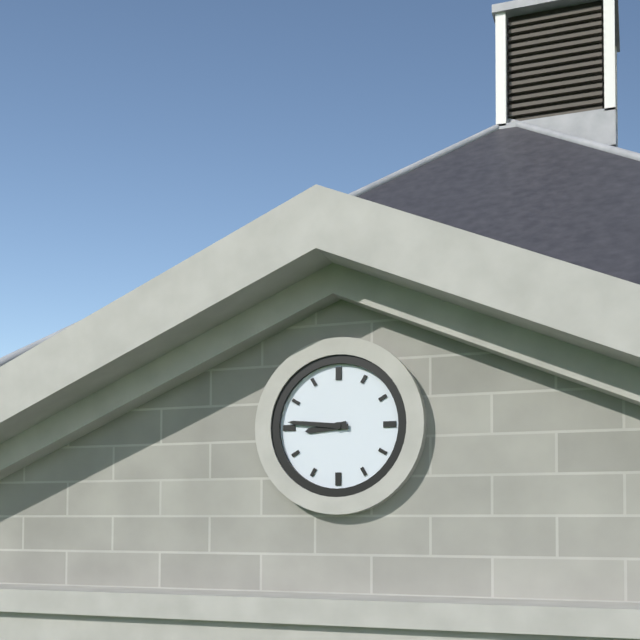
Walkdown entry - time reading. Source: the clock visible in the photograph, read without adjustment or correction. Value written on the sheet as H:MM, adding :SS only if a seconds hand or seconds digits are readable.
8:46
